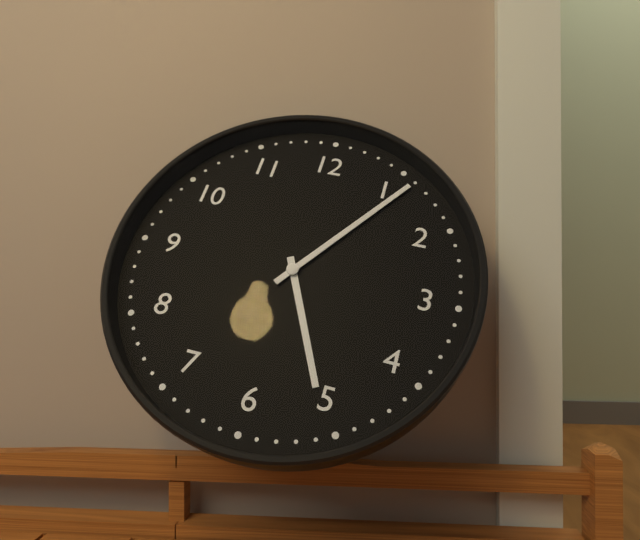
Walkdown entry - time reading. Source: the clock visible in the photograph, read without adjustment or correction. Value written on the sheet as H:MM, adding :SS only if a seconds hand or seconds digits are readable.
5:06
